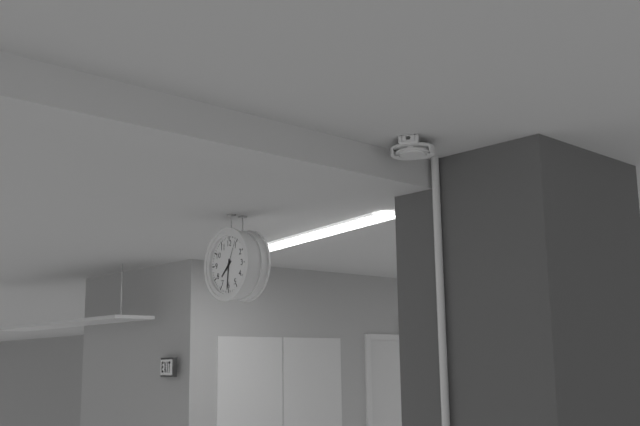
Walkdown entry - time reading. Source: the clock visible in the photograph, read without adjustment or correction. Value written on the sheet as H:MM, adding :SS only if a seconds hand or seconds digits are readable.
7:31
